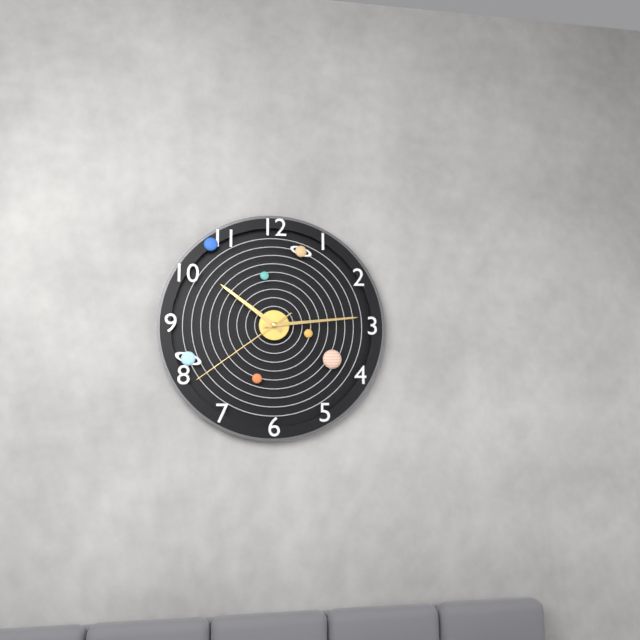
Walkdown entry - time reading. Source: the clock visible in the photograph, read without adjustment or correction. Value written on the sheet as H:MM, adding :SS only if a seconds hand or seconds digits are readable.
10:14:39
